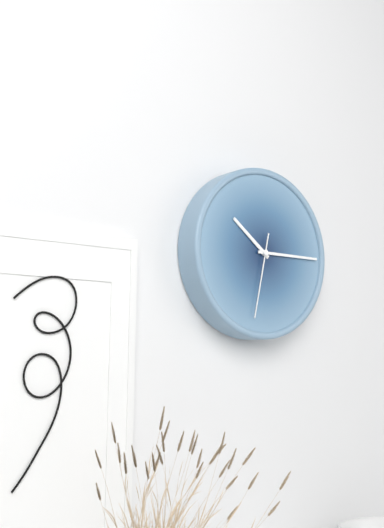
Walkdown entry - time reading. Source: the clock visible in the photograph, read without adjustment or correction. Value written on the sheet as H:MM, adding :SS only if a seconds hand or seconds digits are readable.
10:15:32
